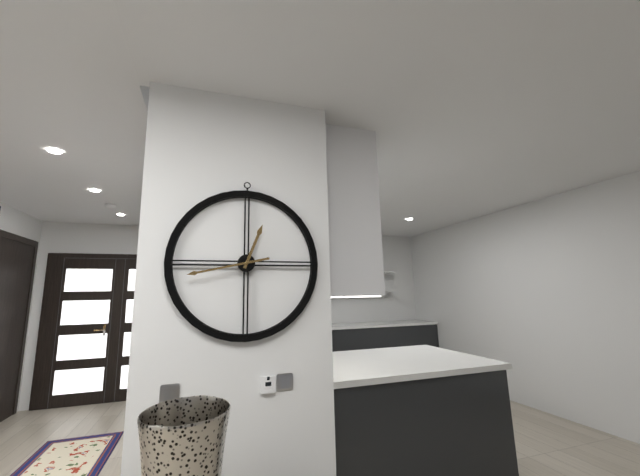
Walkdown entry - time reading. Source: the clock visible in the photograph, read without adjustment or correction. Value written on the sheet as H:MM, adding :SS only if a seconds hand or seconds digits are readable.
12:43
